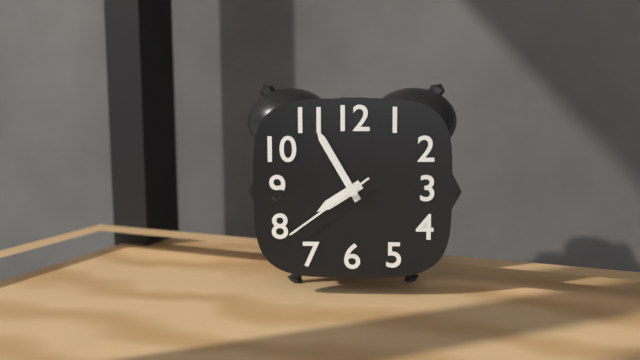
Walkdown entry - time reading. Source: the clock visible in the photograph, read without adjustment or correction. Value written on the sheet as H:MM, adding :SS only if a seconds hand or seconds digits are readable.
7:55:39
